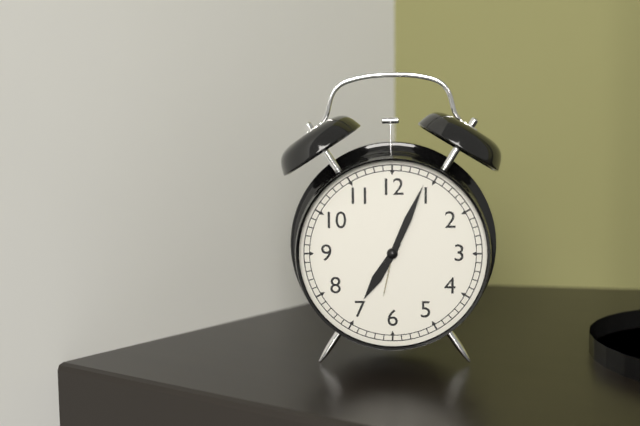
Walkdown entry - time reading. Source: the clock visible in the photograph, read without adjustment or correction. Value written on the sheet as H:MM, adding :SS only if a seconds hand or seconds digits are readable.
7:04
